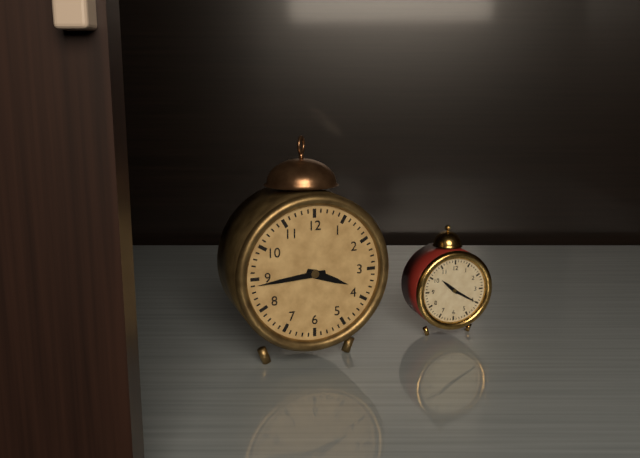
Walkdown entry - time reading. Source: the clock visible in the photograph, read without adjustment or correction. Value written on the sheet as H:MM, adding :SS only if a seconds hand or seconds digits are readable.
3:44
